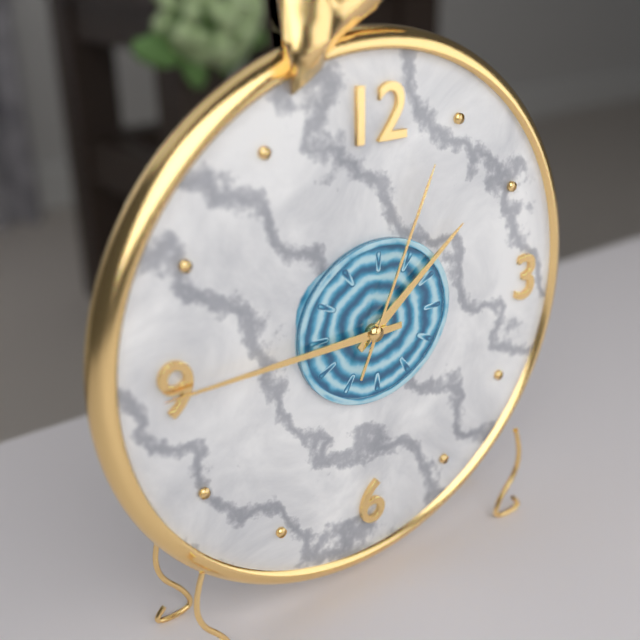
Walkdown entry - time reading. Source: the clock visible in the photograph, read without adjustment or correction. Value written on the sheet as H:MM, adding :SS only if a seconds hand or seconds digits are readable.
1:45:04
